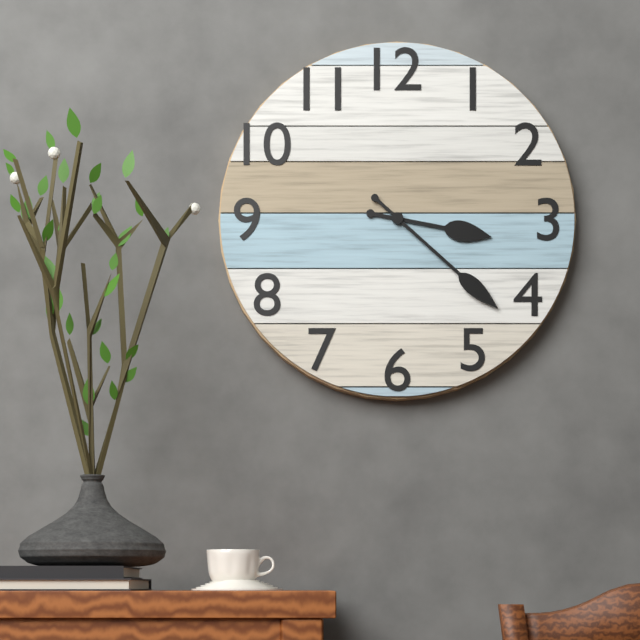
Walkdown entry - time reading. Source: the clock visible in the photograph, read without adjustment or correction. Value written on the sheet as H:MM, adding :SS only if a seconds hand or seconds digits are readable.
3:22
